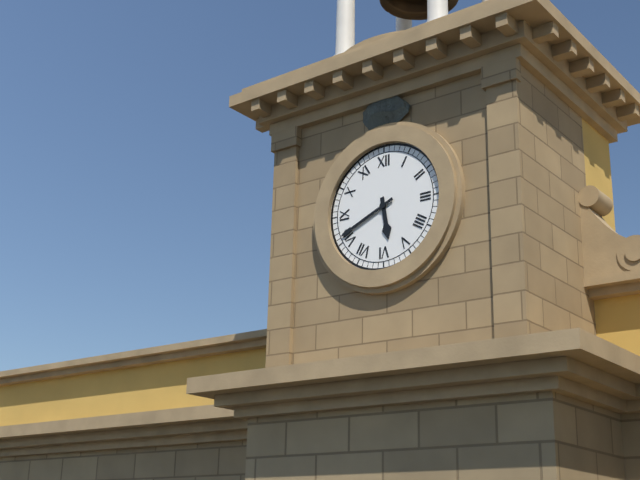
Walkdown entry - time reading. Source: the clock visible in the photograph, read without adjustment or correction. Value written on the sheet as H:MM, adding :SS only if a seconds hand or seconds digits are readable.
5:41
